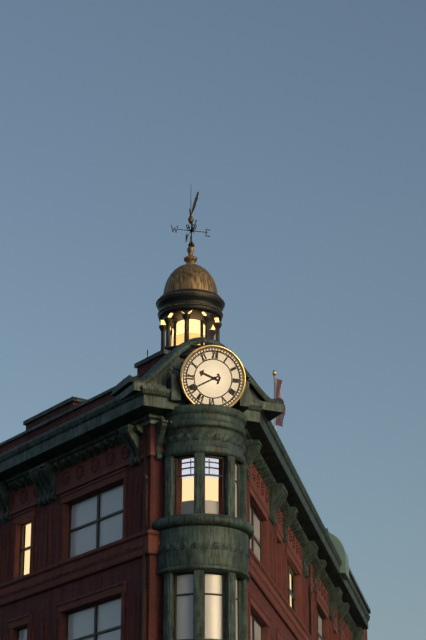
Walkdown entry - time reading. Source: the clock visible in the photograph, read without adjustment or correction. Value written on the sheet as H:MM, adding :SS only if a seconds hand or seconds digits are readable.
9:40
